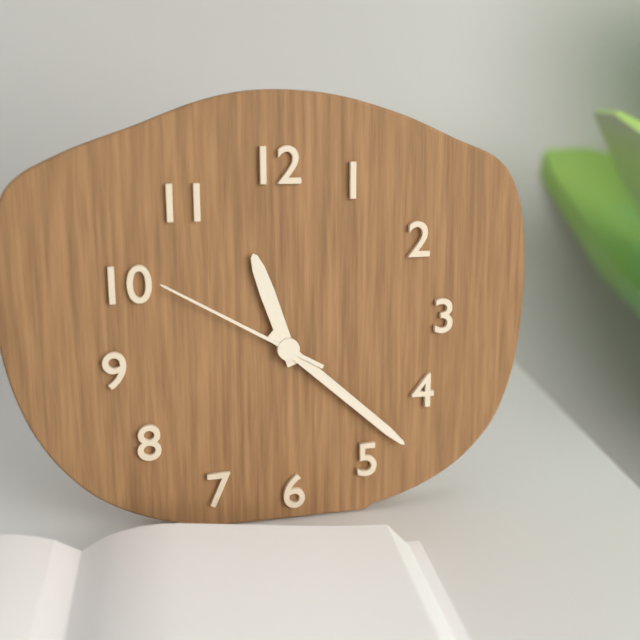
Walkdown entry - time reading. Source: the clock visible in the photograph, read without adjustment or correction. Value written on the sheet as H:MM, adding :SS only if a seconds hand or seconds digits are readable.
11:22:50
